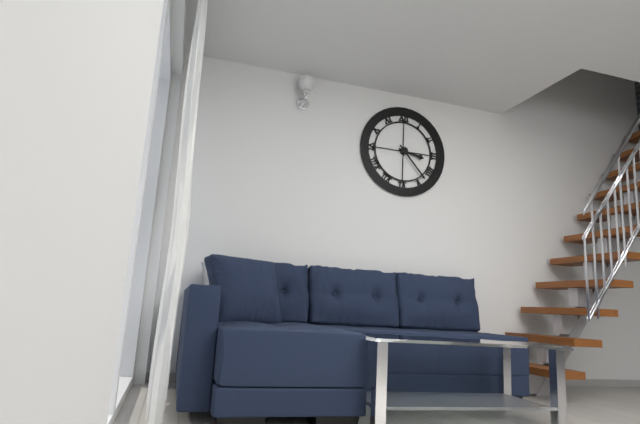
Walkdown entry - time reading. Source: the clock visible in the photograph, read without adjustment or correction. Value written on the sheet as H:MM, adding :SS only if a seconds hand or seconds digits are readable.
3:23
